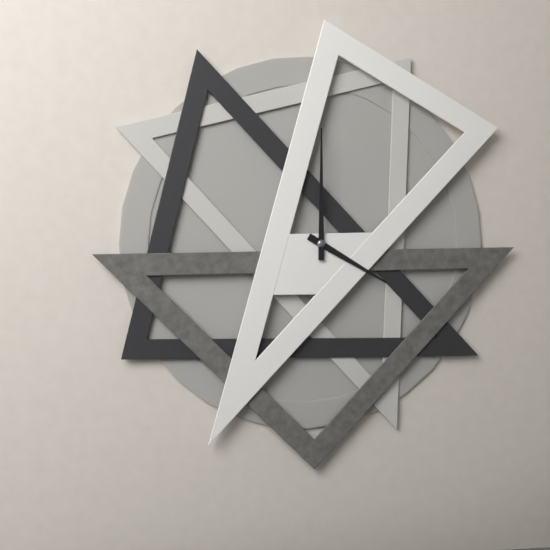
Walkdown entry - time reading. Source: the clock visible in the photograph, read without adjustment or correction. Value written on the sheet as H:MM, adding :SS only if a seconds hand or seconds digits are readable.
4:00
